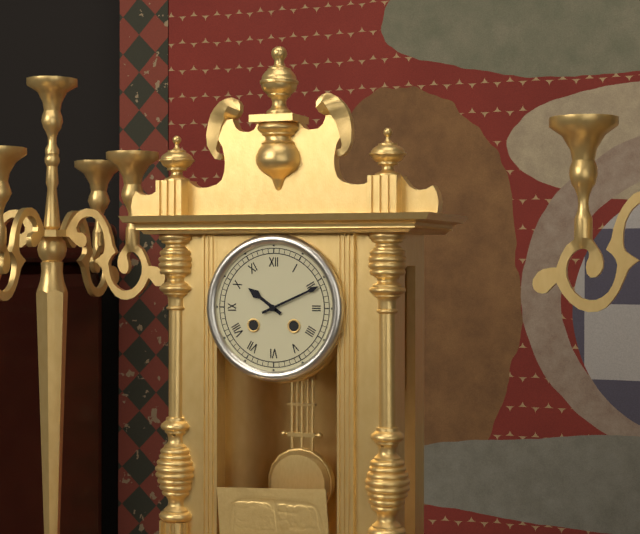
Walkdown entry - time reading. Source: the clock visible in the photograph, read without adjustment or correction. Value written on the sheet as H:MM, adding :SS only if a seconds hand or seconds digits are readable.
10:11
